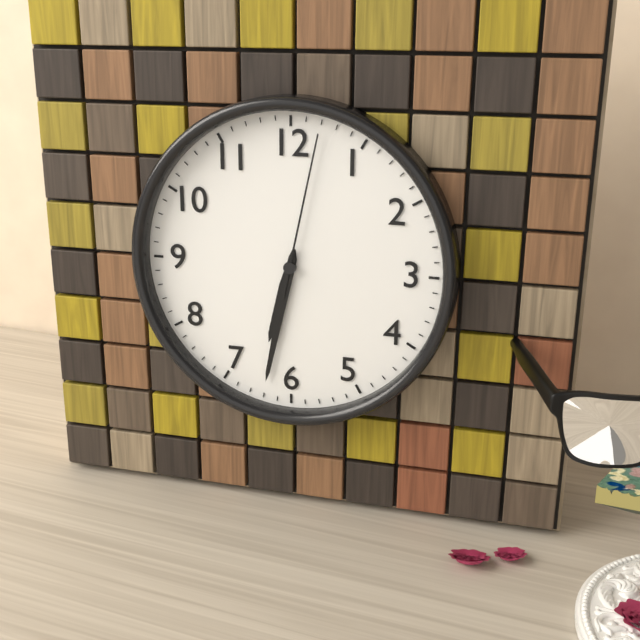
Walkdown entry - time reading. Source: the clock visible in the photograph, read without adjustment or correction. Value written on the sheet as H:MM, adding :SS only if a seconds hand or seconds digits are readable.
6:32:02
